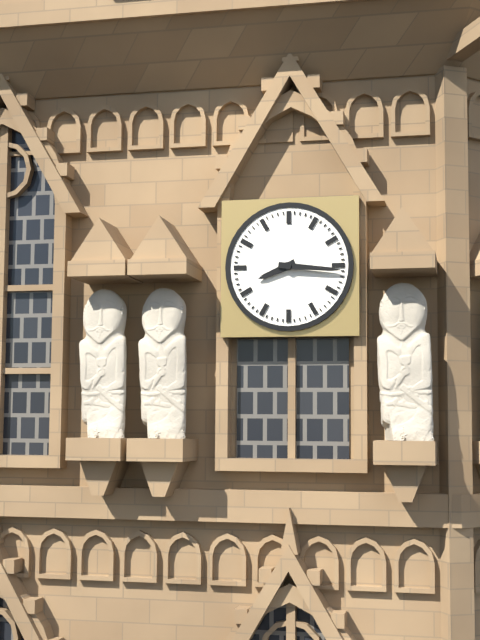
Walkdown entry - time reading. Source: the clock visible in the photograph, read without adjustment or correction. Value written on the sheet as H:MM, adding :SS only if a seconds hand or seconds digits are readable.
8:16
